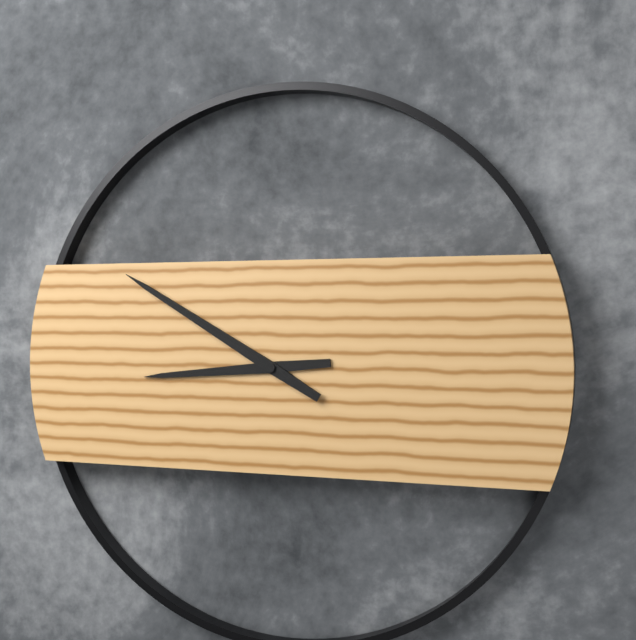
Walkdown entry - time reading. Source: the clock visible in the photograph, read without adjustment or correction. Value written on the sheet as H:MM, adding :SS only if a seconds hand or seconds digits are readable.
8:50
